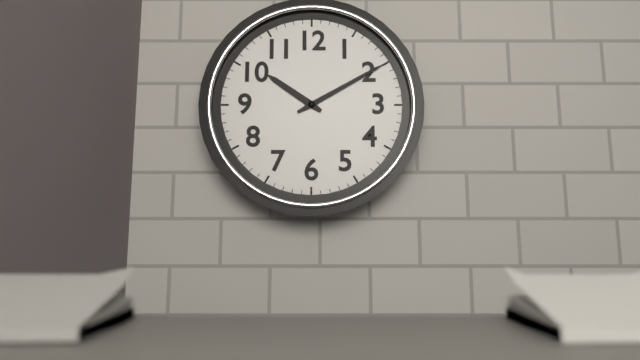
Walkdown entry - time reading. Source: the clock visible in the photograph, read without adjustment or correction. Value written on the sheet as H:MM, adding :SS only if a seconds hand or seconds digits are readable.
10:10
